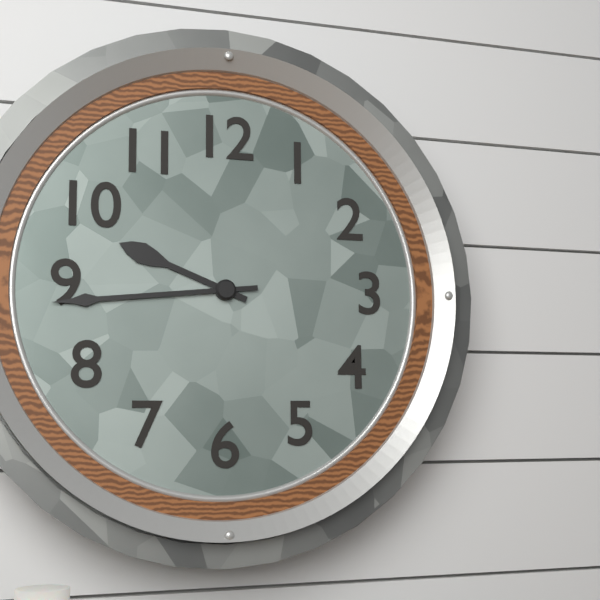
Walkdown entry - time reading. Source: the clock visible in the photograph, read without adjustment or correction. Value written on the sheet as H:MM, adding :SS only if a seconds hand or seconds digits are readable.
9:44
